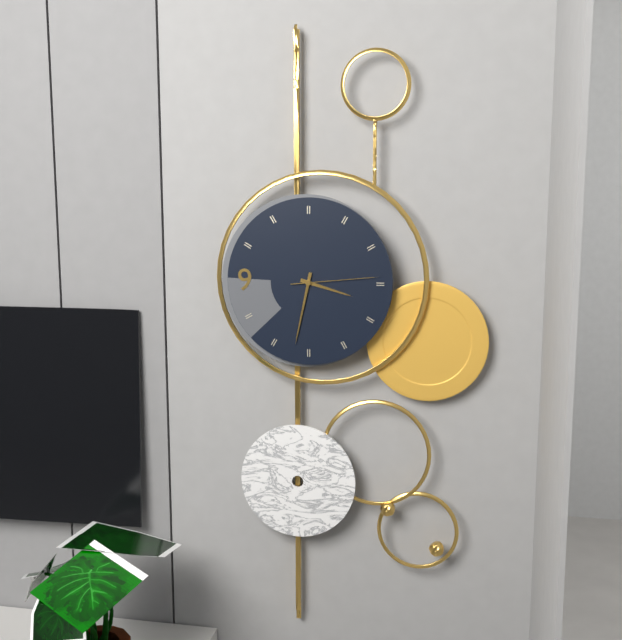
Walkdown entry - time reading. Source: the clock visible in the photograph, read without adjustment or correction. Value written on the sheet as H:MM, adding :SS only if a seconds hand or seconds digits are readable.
3:32:14
